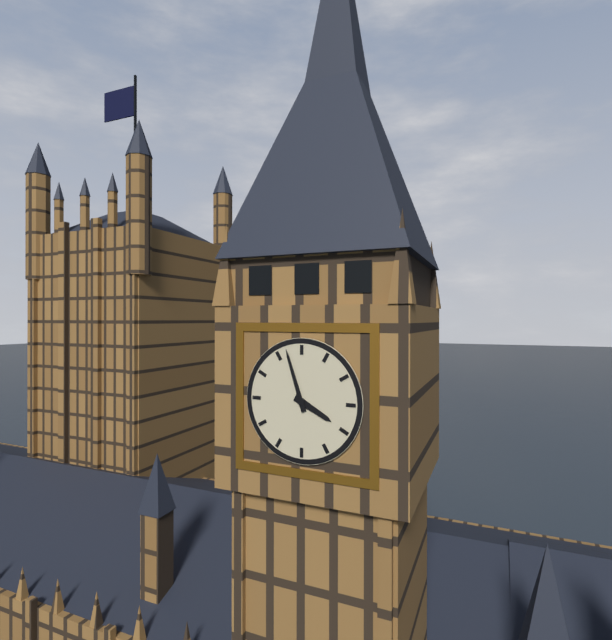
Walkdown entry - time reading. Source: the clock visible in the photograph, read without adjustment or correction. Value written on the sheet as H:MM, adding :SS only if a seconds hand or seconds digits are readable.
3:57
